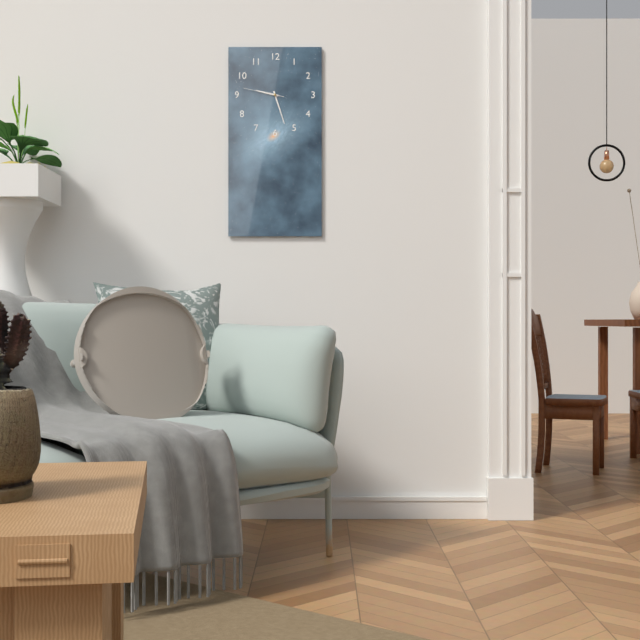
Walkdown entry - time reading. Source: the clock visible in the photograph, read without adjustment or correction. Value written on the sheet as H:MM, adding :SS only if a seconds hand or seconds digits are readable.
9:27
